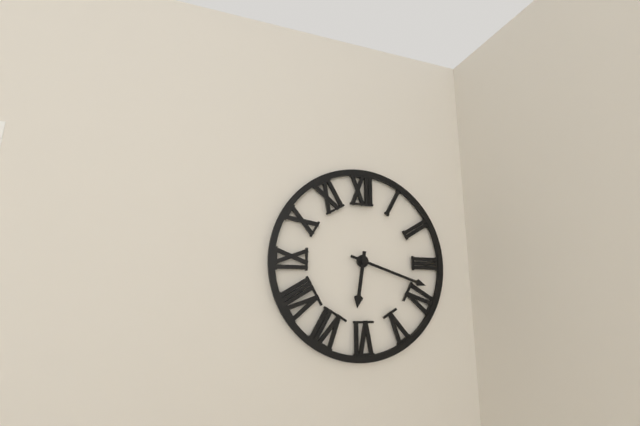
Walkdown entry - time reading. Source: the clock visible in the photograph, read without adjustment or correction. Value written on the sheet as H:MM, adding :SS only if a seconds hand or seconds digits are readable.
6:18
